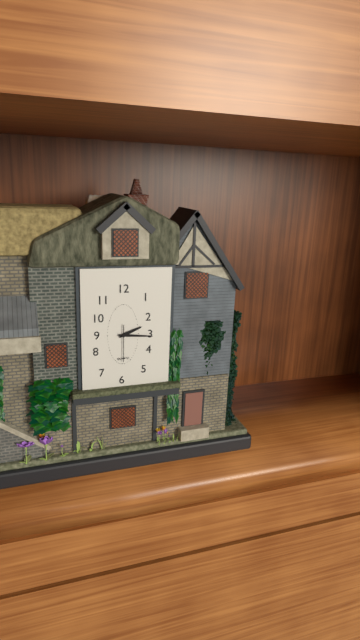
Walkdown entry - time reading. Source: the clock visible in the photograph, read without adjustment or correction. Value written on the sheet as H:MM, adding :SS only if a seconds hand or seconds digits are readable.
2:16
